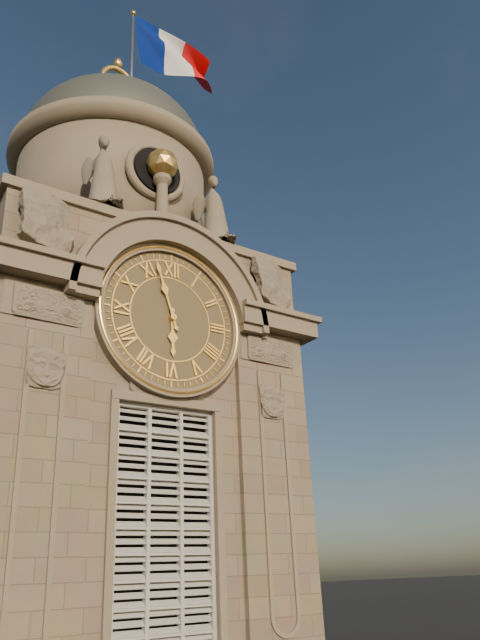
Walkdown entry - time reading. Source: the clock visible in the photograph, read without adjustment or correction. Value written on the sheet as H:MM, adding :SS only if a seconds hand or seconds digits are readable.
5:57
